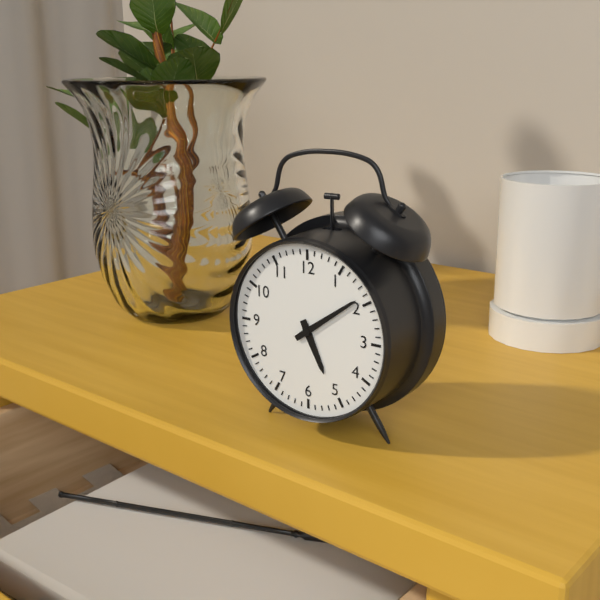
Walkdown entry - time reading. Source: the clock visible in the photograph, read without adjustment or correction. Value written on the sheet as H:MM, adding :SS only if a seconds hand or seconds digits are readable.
5:09
